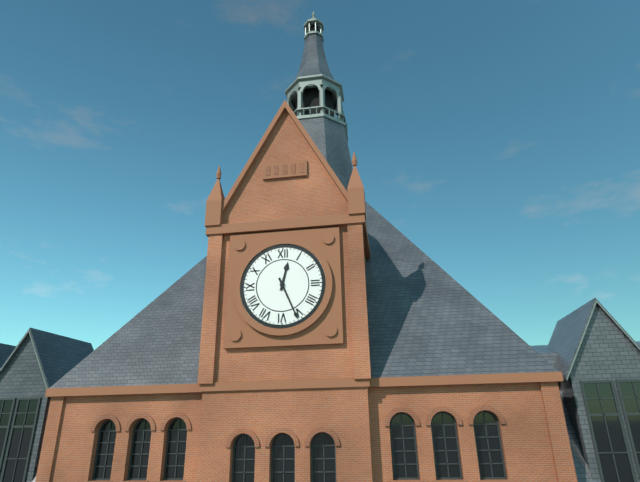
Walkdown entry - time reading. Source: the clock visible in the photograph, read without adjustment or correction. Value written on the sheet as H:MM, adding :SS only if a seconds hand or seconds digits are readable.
12:26
